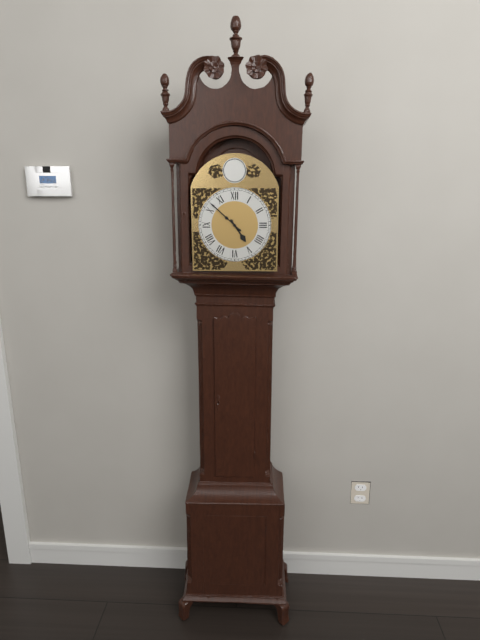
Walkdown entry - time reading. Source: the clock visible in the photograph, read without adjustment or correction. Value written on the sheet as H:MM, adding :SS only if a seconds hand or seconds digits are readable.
4:52
